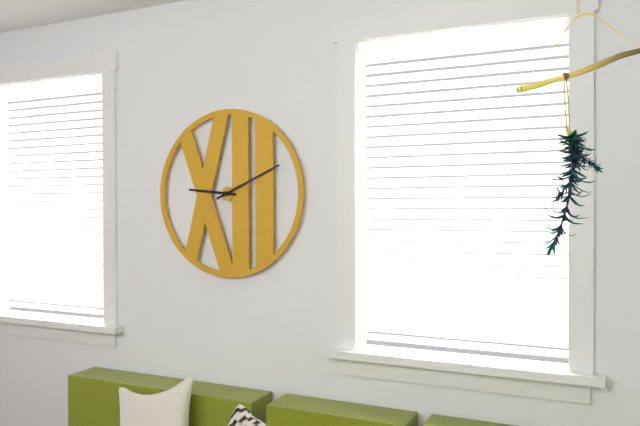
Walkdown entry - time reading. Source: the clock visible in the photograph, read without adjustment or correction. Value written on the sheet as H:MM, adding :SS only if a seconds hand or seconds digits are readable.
9:11
